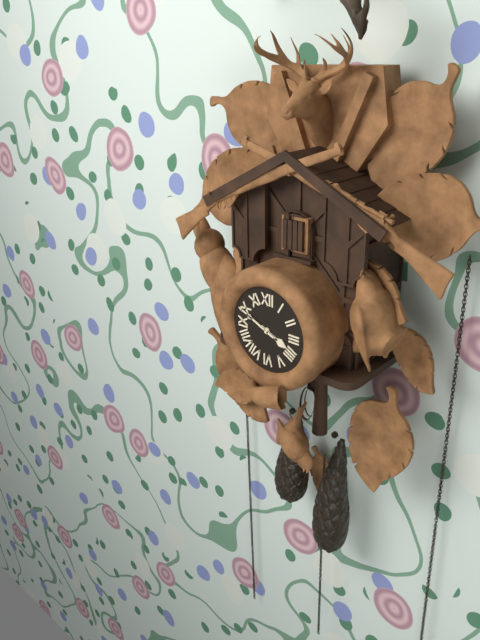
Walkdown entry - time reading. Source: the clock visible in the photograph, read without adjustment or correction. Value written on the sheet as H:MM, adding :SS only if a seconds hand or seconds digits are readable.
3:49
